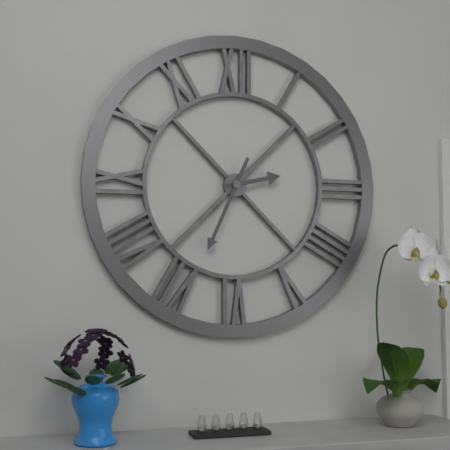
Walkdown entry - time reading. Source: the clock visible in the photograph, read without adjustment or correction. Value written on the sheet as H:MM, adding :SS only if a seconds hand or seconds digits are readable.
2:34
